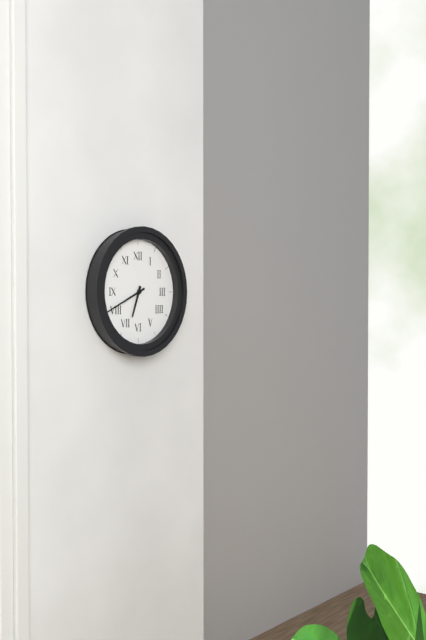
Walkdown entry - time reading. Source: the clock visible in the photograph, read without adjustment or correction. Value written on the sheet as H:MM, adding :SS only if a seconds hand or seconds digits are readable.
6:41
